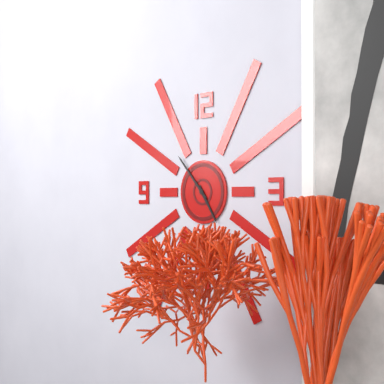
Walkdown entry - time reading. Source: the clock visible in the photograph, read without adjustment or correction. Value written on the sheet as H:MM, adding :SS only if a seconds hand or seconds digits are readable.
4:53
